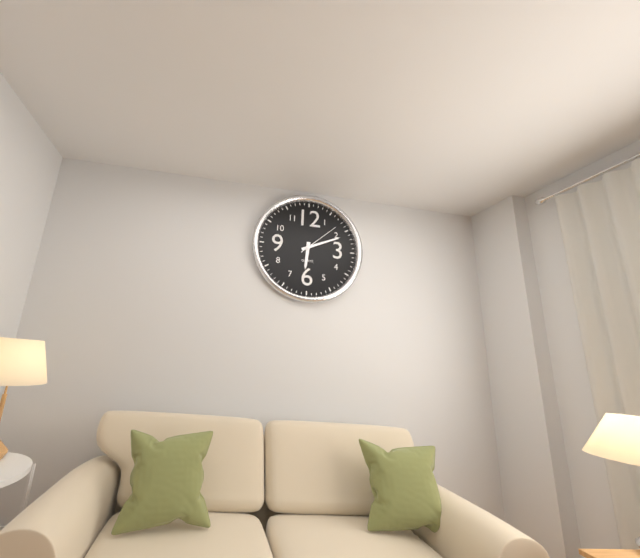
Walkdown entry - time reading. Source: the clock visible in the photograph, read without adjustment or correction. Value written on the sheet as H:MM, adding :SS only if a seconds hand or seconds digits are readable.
6:11
